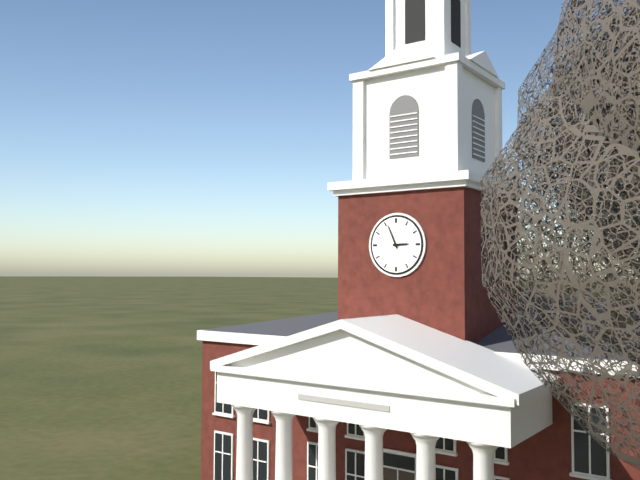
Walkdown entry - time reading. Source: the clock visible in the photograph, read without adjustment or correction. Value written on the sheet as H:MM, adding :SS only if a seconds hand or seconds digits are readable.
2:56
